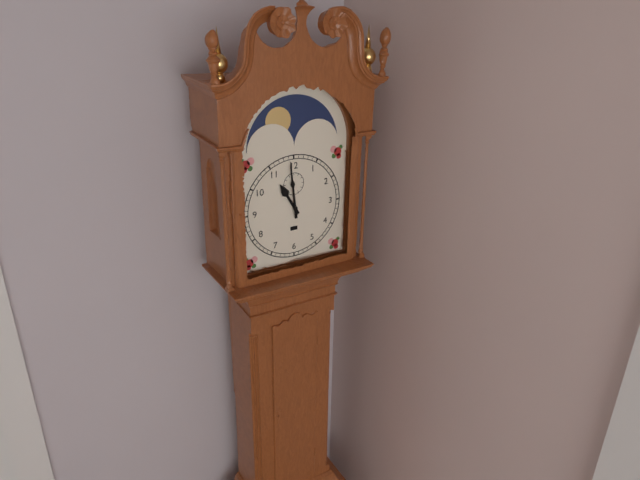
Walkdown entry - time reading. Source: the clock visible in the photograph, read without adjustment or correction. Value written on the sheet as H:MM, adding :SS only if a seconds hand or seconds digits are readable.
10:59
